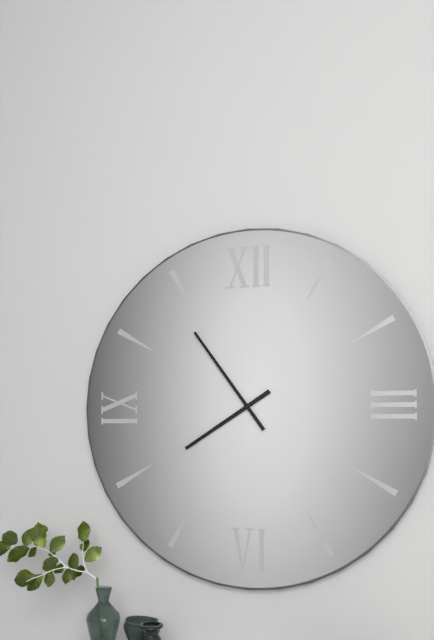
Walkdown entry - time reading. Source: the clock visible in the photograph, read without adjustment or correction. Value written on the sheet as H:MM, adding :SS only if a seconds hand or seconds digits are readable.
7:54
